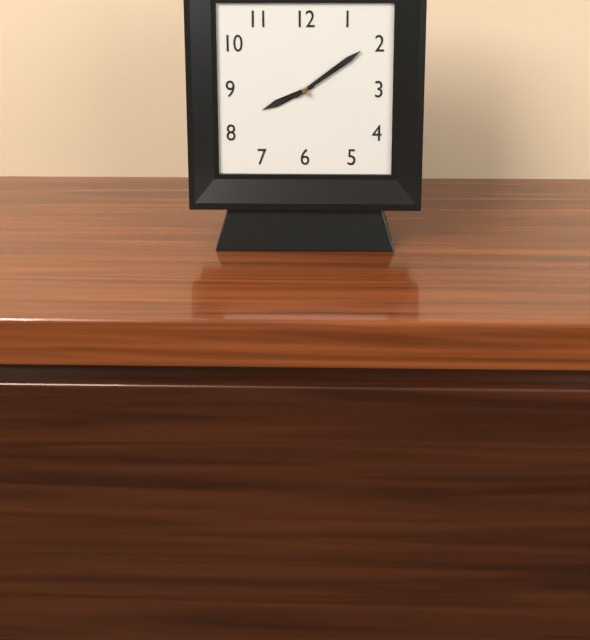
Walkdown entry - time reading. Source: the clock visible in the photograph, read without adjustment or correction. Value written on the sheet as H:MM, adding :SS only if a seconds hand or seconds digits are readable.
8:09
